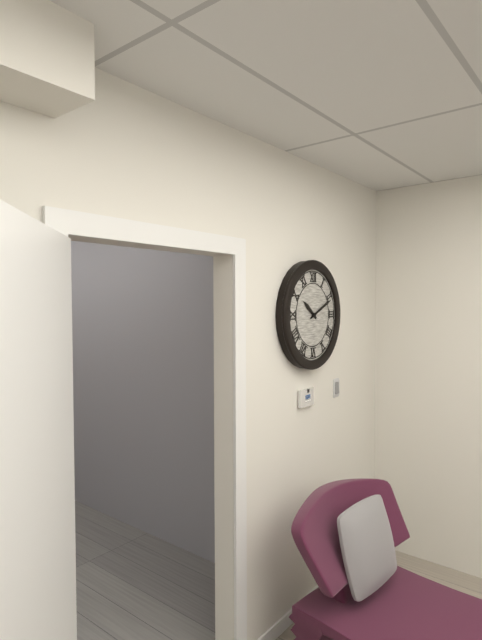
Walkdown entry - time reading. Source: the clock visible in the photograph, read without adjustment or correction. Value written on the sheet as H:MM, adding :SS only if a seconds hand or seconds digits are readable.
10:11
